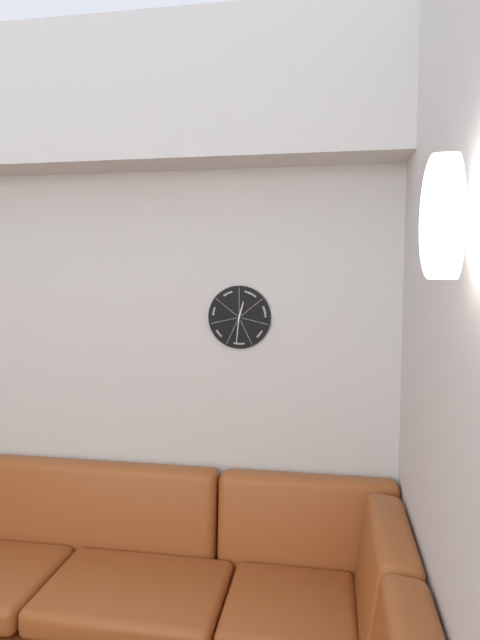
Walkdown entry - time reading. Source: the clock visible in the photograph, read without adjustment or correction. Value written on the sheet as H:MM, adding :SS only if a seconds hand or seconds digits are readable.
12:31
